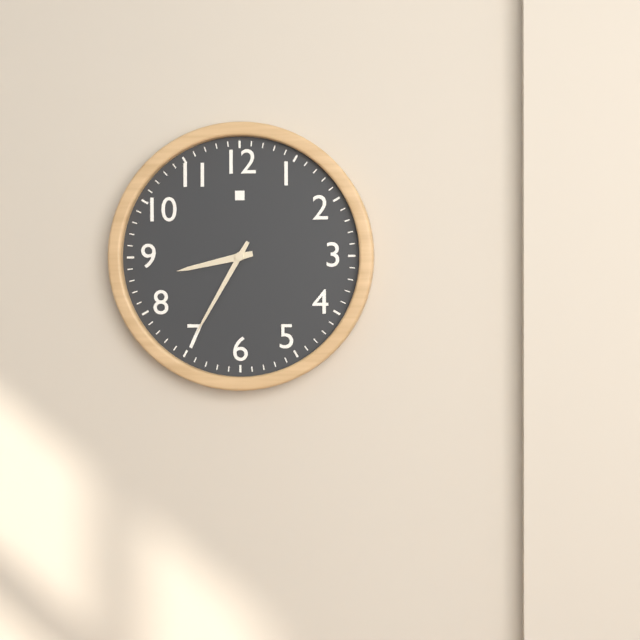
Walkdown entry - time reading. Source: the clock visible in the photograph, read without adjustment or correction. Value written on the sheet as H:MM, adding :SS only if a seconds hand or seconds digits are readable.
8:35
